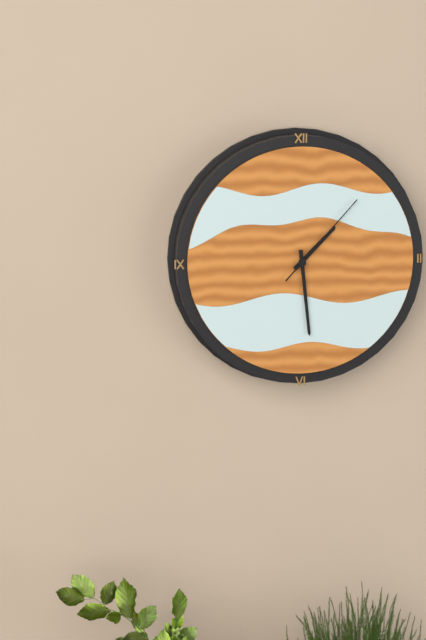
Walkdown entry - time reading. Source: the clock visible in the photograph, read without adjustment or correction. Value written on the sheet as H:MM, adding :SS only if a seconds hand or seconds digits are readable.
1:29:07
